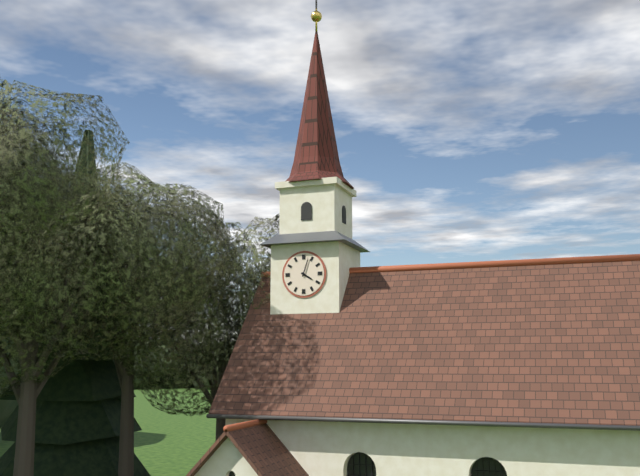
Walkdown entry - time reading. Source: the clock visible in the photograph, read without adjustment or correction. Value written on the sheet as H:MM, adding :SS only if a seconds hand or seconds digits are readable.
4:03
